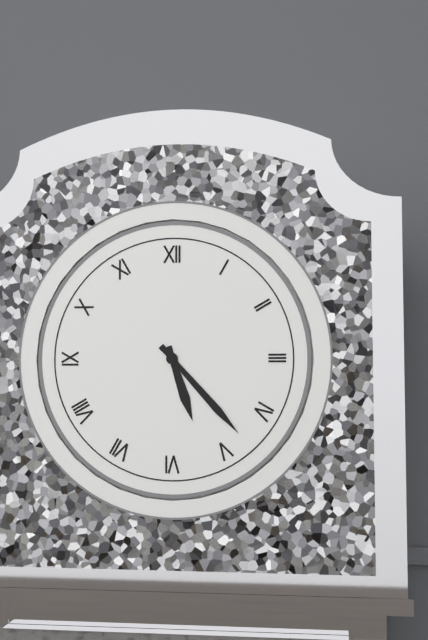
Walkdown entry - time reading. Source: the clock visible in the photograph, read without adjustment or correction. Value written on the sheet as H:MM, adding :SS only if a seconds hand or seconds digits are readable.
5:23
